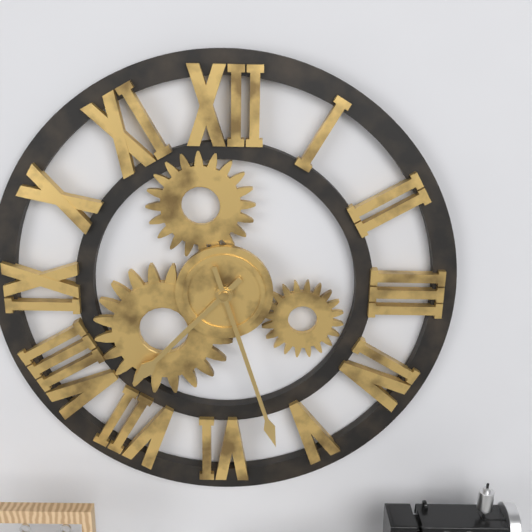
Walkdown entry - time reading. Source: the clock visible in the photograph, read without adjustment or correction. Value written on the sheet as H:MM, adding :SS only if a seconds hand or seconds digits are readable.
7:27
